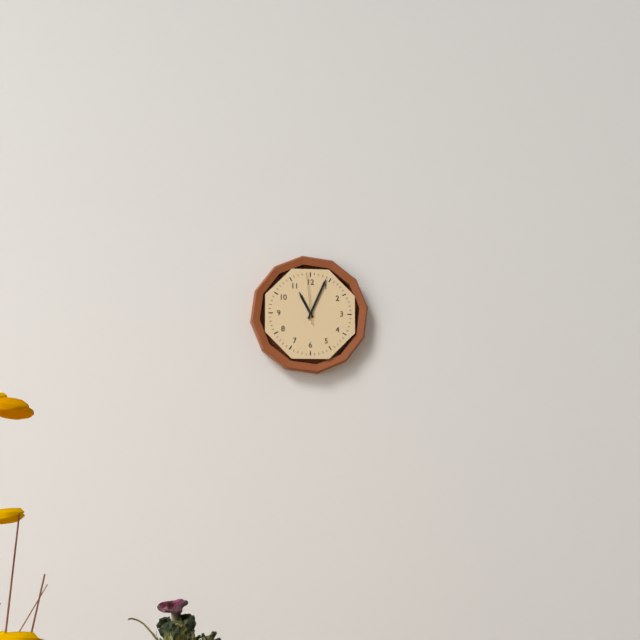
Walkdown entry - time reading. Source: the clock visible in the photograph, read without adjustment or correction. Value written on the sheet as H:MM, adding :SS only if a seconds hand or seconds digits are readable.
11:04:59
